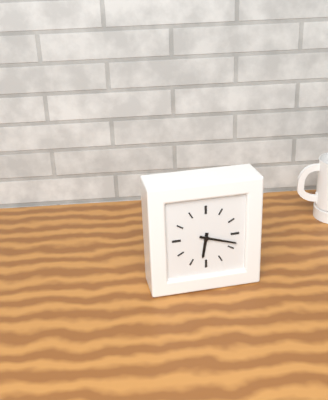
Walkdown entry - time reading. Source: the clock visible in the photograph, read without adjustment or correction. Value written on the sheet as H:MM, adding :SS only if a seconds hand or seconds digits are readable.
6:18
